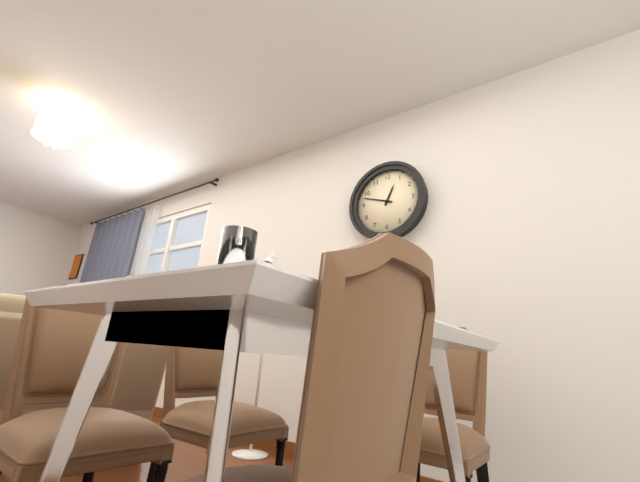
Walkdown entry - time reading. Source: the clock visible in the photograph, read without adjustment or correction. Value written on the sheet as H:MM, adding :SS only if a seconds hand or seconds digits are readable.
12:48
